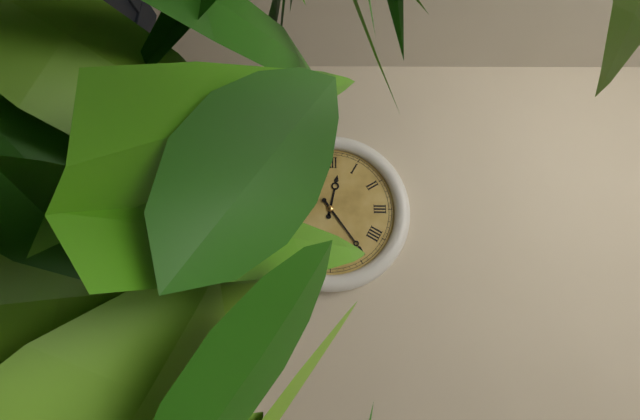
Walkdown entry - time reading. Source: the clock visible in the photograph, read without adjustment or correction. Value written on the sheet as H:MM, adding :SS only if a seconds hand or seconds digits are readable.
12:24
